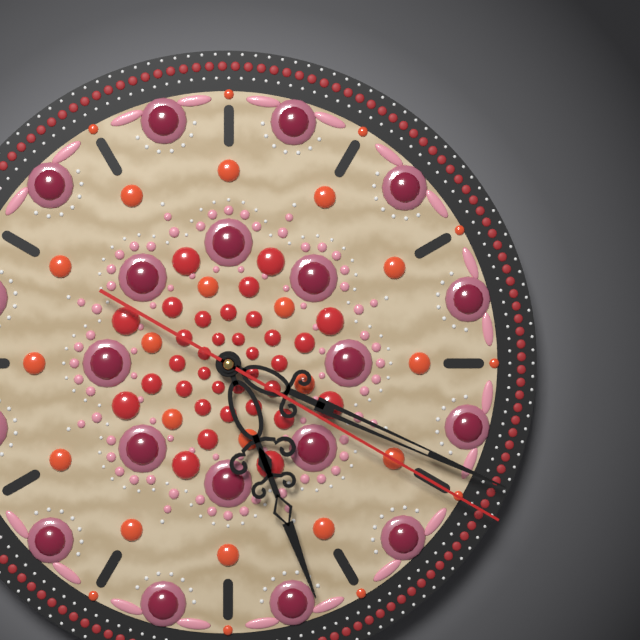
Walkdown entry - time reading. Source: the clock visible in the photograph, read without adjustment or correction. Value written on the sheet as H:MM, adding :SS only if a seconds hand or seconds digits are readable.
5:19:20
